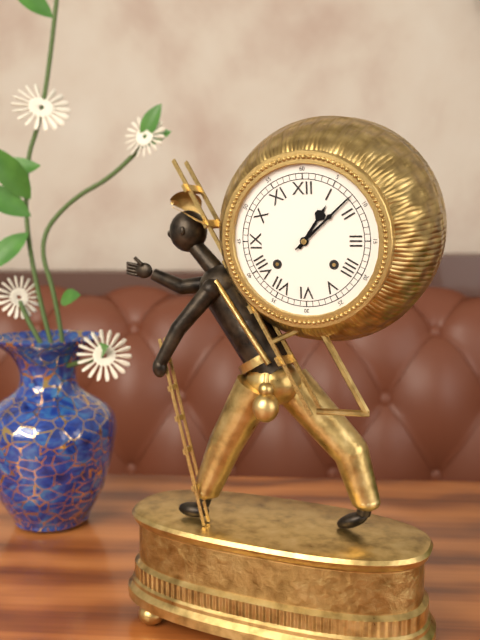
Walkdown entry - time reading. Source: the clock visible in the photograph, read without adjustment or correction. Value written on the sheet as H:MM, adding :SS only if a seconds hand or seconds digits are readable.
1:08
